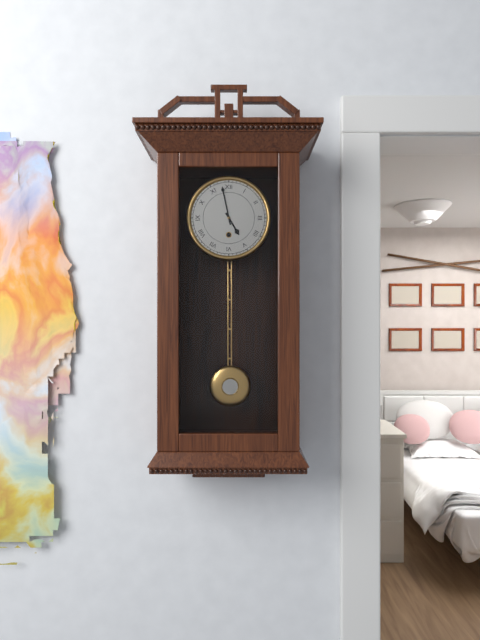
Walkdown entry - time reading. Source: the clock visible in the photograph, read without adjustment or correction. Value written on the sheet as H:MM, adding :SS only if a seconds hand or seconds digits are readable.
4:58
